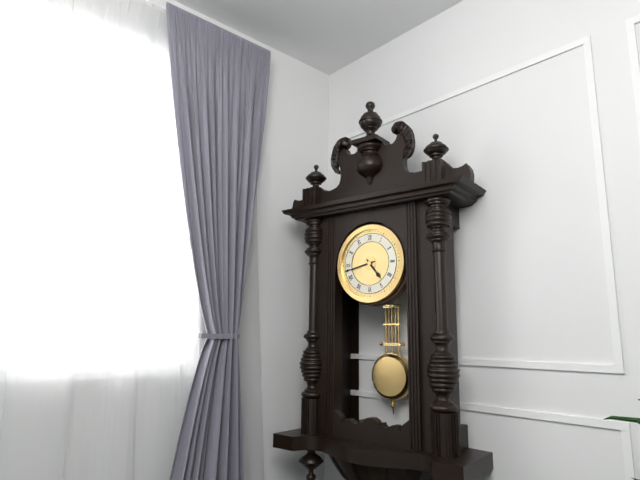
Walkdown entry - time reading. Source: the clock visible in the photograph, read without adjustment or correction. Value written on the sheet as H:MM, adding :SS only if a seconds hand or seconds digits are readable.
4:43
